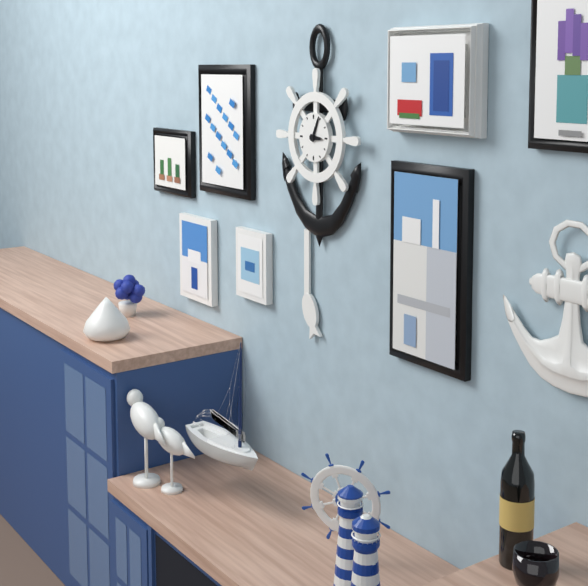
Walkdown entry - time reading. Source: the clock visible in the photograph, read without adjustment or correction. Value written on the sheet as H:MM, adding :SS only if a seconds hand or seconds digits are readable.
3:04
